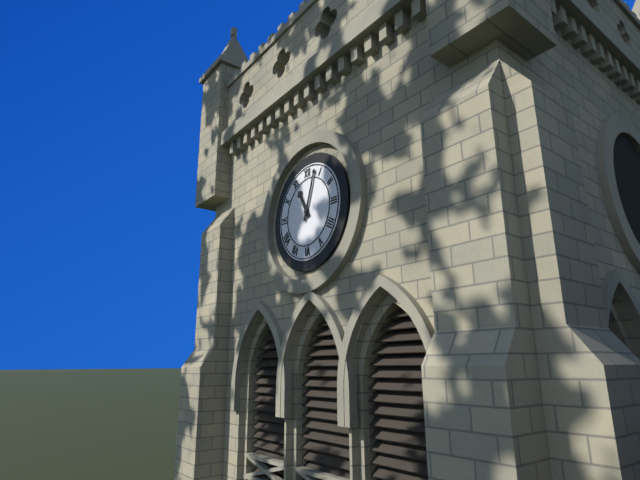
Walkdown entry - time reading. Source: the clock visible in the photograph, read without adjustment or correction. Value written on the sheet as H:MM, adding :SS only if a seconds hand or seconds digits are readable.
11:03
